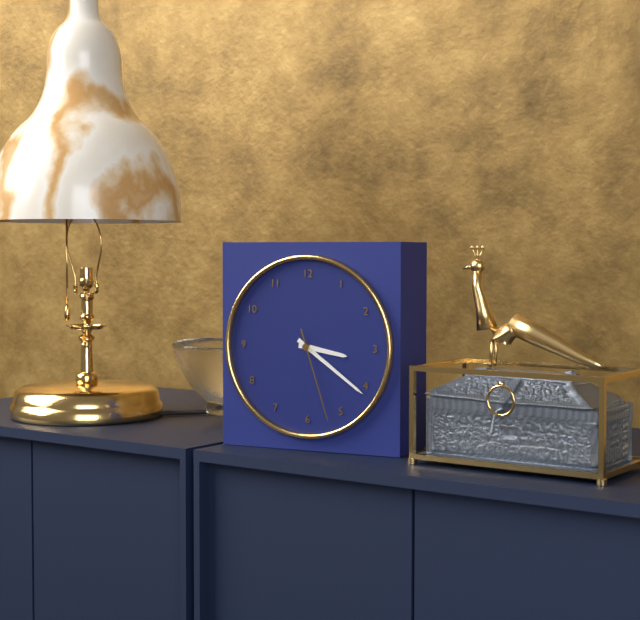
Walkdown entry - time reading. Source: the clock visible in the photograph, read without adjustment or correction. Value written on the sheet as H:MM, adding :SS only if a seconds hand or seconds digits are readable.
3:21:27
